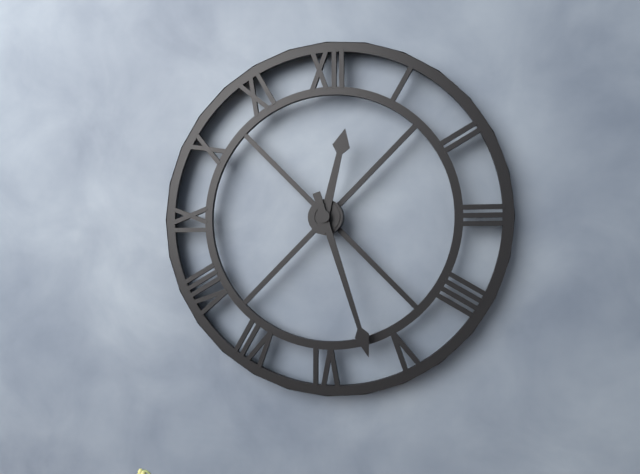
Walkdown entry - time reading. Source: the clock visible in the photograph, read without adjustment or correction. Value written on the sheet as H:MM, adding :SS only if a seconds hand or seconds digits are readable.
12:27
